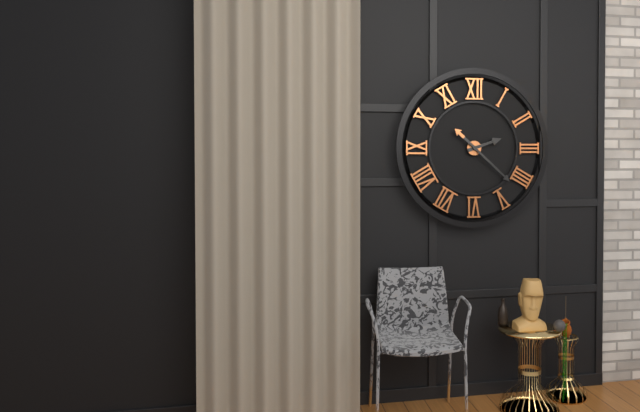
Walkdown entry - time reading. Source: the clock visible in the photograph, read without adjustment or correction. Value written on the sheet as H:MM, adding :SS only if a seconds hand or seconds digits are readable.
2:22
